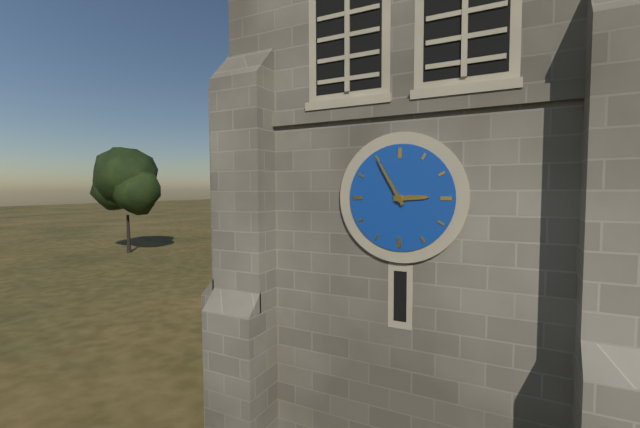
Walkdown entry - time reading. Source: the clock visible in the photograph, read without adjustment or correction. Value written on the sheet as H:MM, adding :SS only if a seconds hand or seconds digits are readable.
2:55
